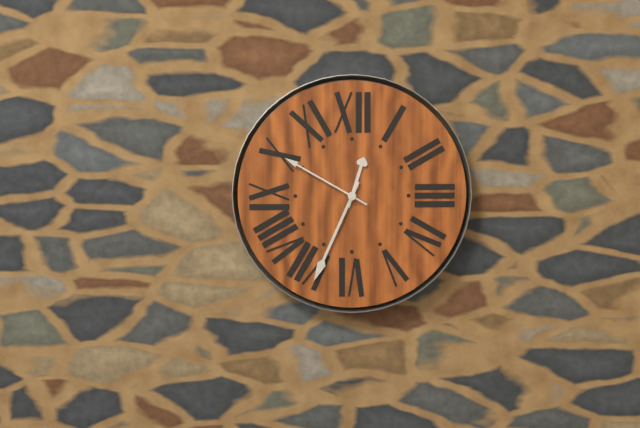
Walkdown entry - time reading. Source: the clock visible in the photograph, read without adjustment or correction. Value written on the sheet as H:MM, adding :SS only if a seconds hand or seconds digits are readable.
12:34:50
